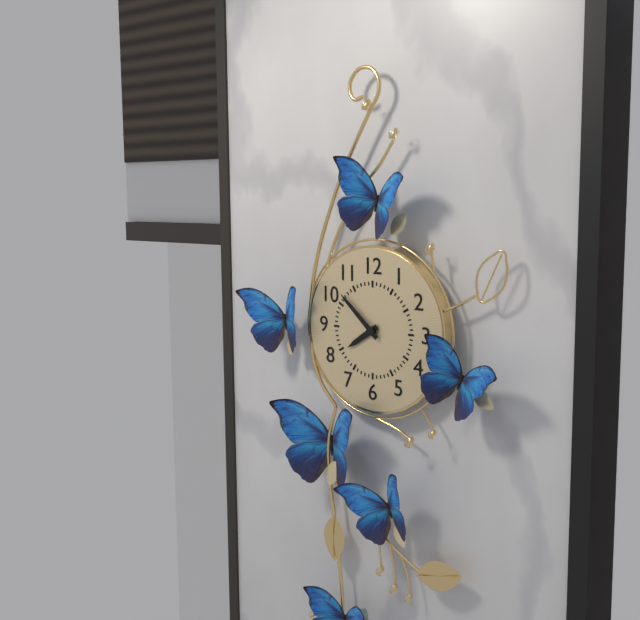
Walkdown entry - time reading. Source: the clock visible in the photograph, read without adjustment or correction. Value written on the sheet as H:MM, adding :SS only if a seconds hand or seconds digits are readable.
7:52
